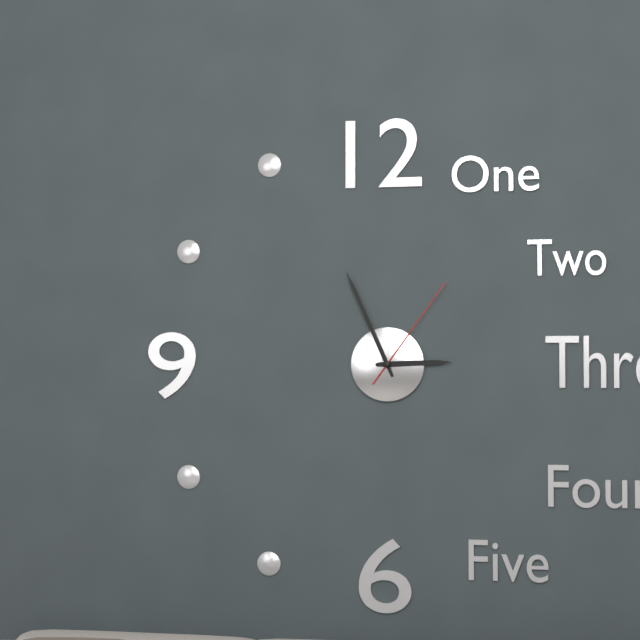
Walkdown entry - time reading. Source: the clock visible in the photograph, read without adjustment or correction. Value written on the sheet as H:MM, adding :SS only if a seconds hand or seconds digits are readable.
2:56:06
